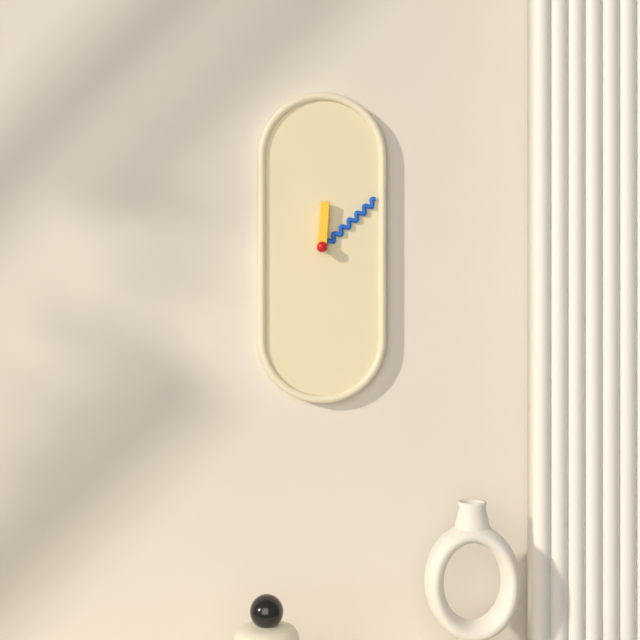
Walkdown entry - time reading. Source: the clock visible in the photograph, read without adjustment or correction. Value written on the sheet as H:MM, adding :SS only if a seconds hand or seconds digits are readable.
12:08
